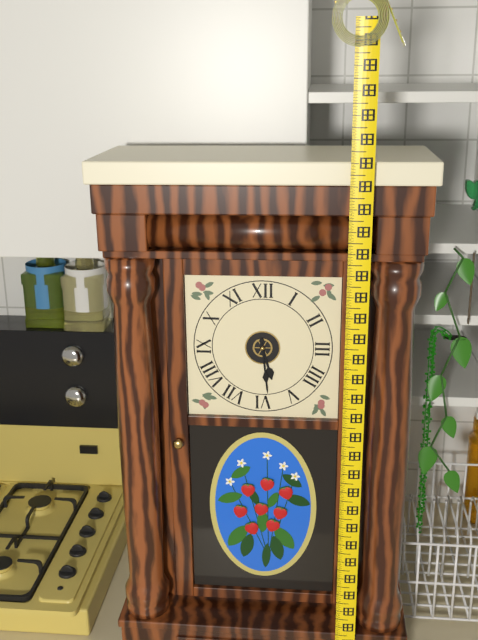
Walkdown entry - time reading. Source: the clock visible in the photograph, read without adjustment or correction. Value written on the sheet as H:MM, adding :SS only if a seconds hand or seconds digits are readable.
5:29
